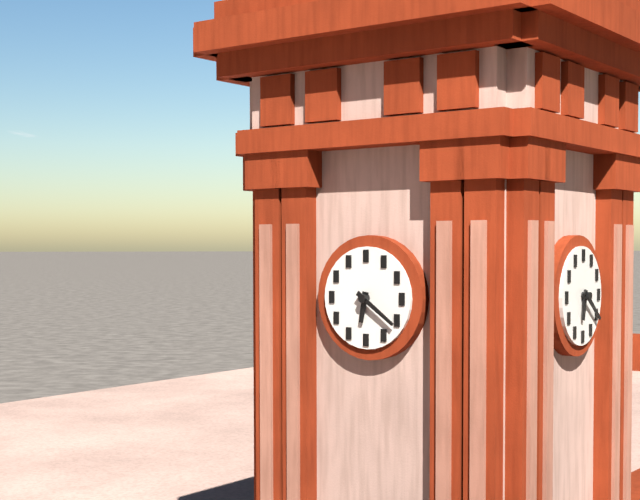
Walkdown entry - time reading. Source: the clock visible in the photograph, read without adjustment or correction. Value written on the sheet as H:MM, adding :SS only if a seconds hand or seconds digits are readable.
6:21
